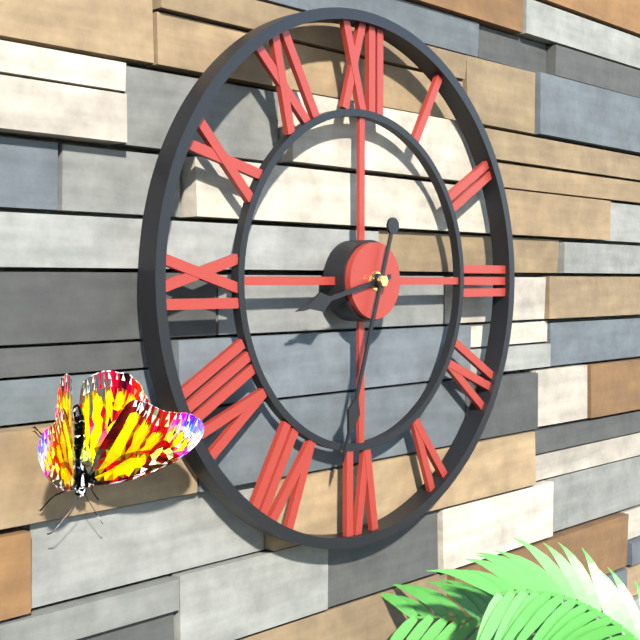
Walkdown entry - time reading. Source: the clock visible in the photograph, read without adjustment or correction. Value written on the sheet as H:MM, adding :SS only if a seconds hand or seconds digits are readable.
8:33
